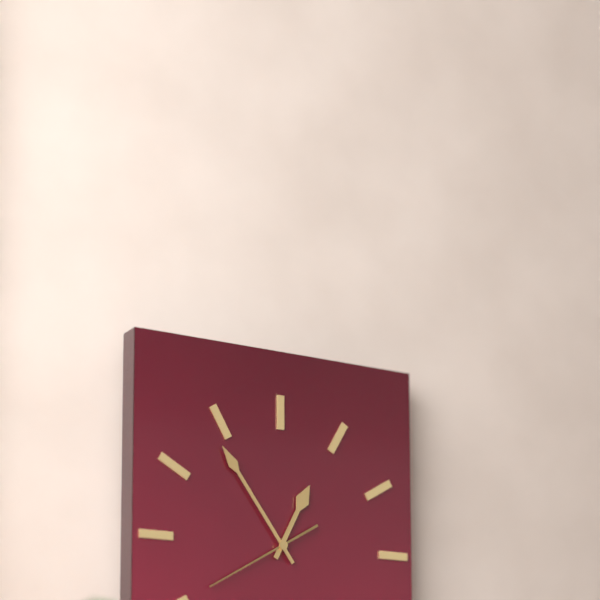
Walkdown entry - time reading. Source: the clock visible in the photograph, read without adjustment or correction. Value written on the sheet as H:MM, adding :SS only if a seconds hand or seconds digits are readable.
12:54:40
